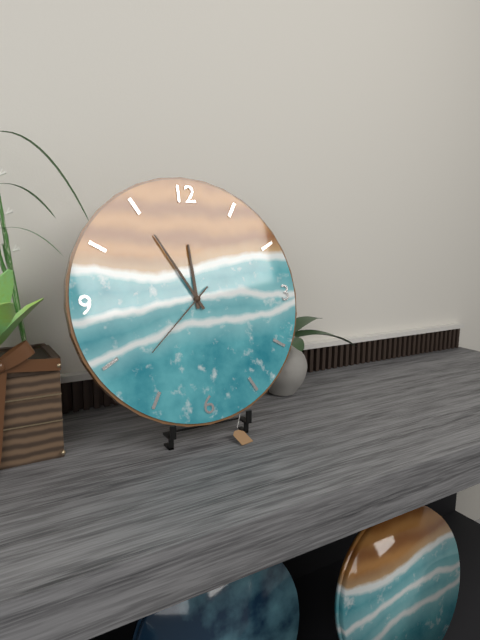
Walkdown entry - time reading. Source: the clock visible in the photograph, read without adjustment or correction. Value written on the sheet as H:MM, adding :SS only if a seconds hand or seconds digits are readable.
11:55:38
